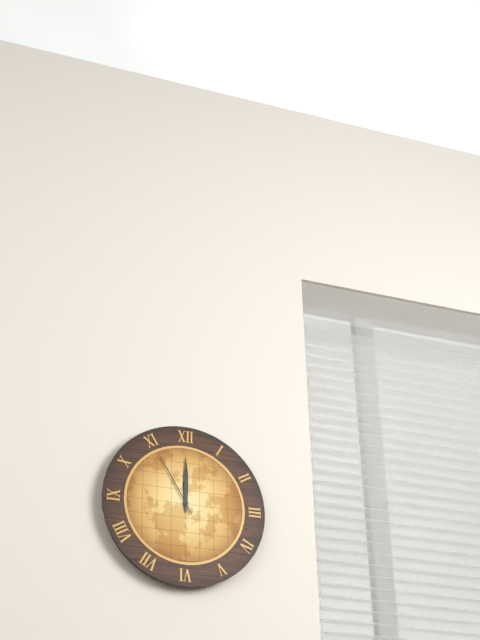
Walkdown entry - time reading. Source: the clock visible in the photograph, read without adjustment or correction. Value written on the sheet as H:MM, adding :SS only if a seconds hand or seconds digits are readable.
12:00:55
